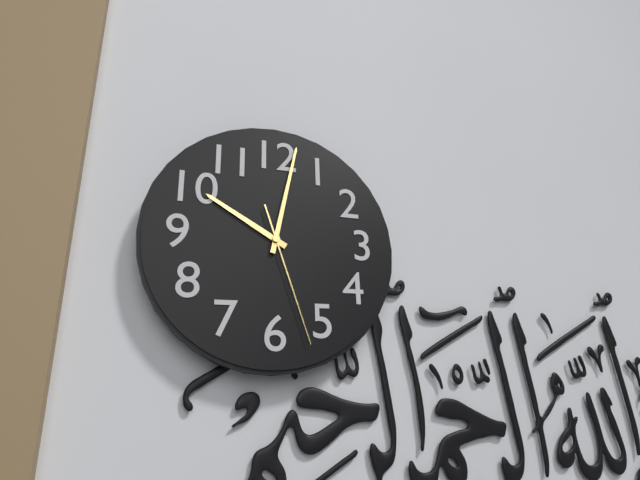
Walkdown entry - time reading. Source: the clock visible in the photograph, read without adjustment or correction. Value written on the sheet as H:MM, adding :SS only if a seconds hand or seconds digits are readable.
10:02:27
